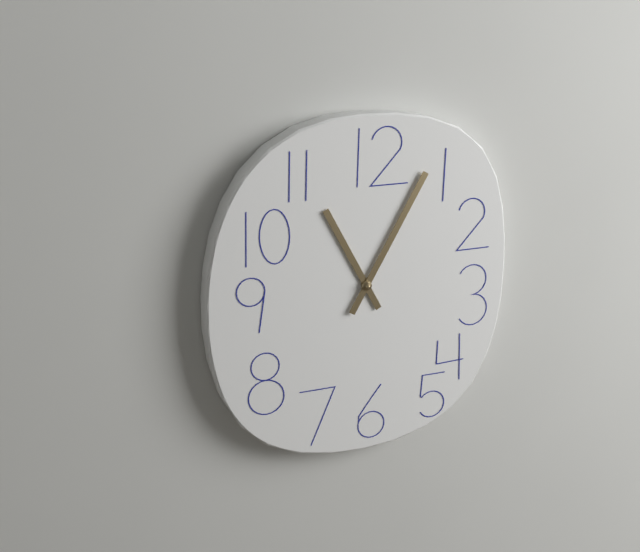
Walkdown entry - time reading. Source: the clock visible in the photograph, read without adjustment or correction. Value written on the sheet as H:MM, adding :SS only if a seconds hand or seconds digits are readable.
11:05
